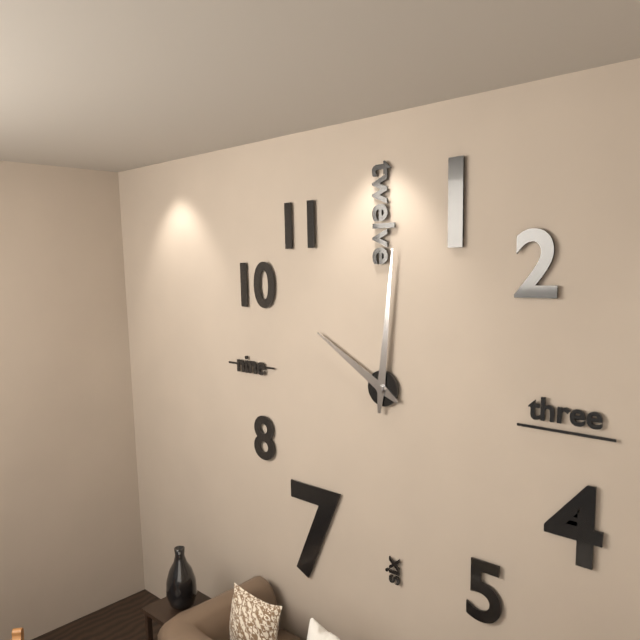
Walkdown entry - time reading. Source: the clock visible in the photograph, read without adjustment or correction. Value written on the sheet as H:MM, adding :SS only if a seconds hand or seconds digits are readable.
10:01
